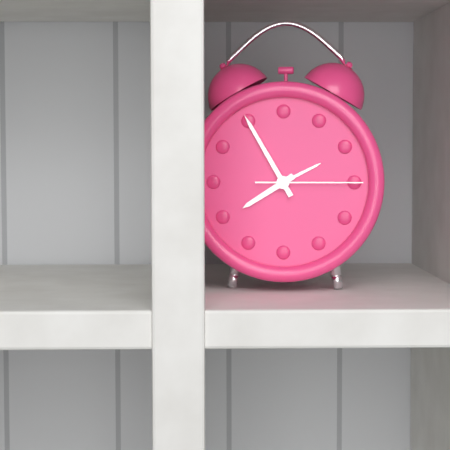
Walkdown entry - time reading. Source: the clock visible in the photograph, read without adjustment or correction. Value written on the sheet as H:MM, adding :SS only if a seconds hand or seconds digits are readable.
7:55:15
